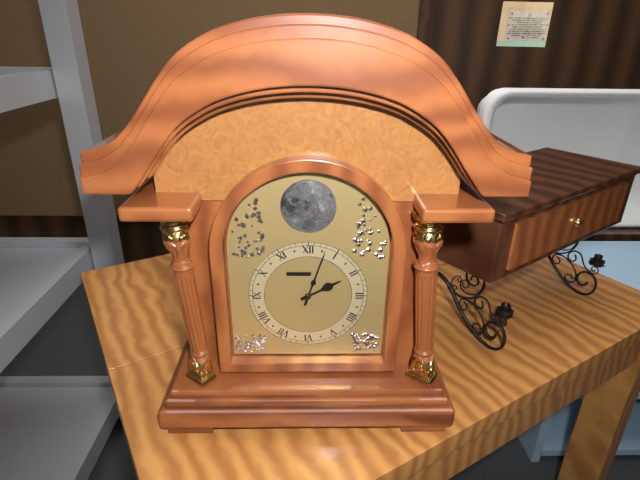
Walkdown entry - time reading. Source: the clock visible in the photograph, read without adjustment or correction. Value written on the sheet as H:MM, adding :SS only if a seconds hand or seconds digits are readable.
2:03
